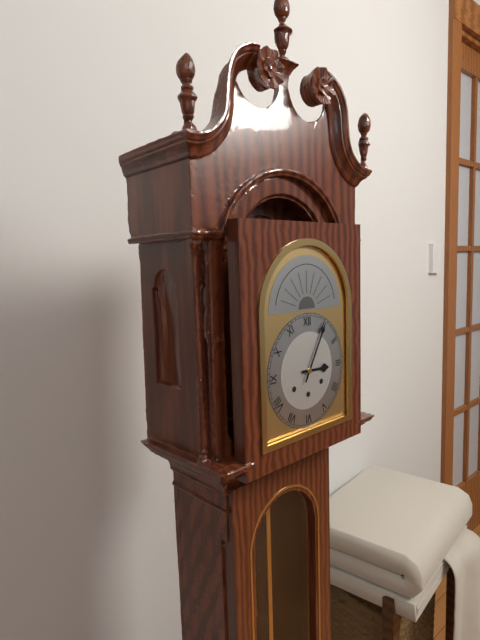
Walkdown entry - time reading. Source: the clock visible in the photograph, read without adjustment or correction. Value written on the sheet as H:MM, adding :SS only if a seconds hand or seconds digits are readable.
3:05
